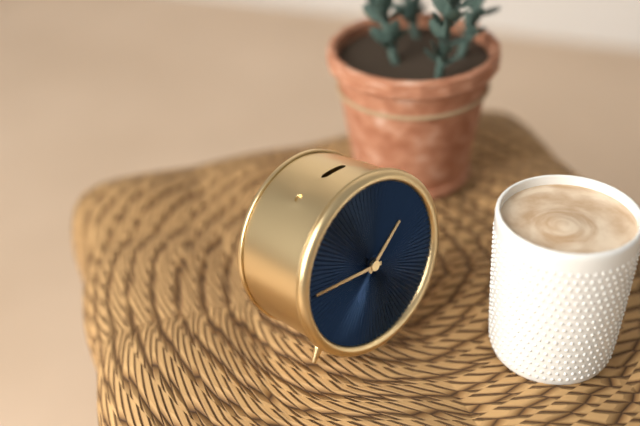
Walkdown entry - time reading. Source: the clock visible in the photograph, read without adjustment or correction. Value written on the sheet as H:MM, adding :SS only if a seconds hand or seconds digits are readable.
1:46
